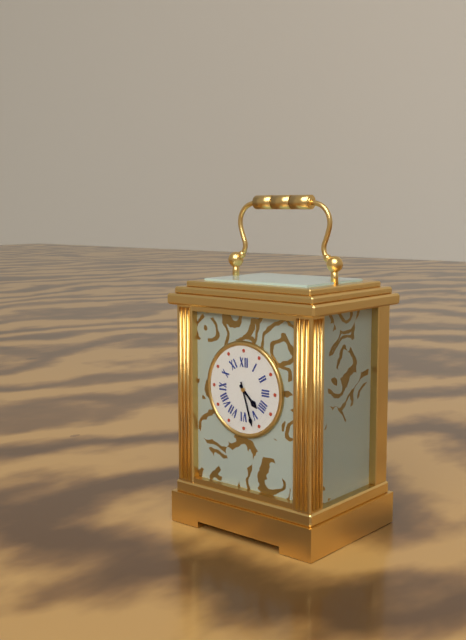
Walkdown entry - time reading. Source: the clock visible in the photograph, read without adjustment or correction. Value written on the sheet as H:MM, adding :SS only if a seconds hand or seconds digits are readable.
4:27
